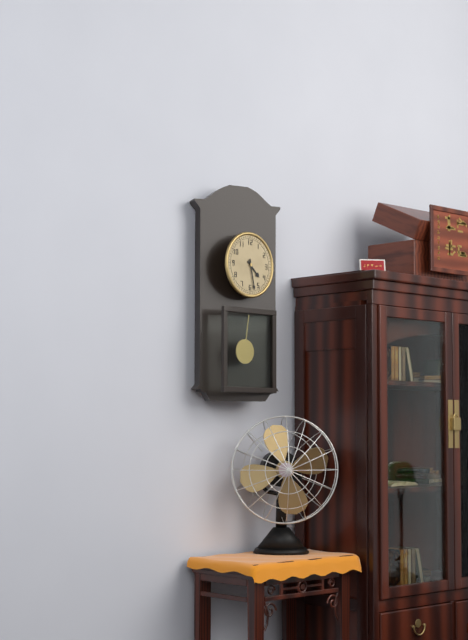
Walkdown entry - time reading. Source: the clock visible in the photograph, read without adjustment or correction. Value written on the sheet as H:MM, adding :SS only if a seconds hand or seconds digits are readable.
4:28
